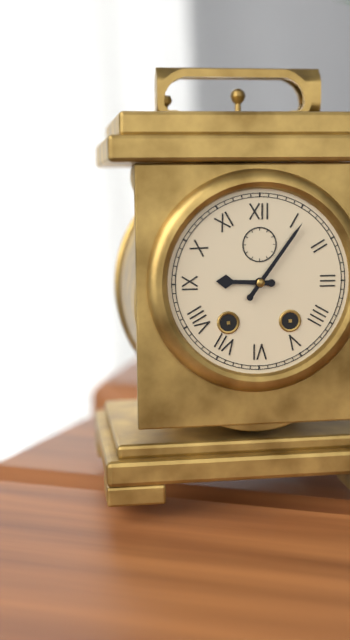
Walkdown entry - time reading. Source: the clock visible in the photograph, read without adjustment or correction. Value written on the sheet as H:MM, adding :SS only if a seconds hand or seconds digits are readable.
9:06
